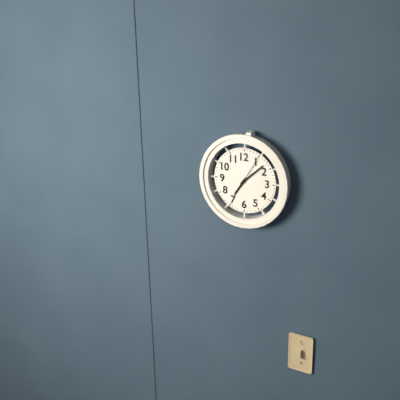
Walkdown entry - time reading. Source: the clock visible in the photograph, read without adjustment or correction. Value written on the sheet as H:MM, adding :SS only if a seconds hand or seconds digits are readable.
7:08
